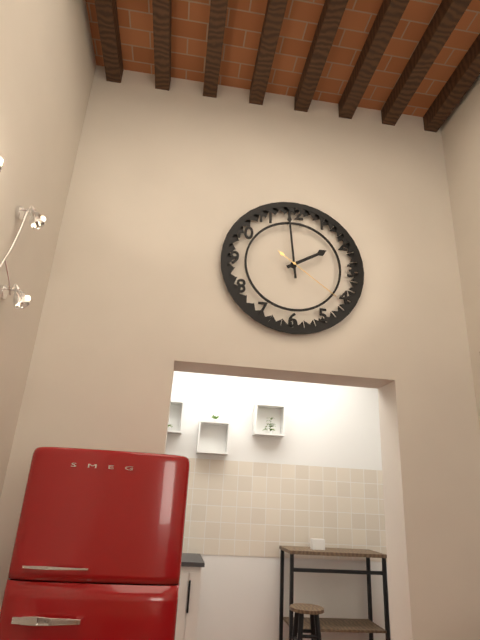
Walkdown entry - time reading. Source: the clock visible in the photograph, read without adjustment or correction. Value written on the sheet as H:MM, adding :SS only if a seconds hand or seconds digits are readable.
1:59:21
